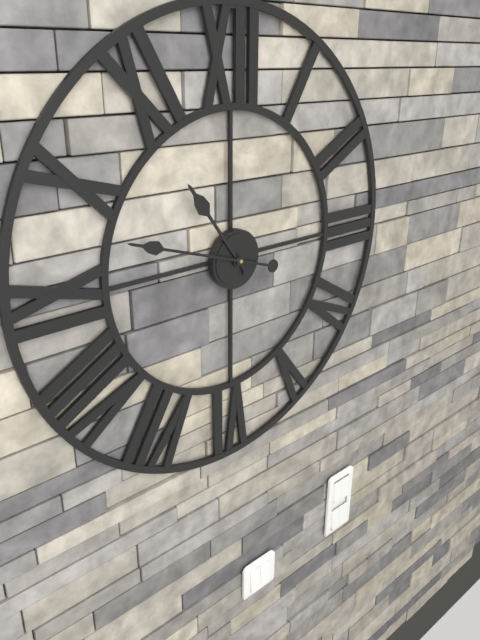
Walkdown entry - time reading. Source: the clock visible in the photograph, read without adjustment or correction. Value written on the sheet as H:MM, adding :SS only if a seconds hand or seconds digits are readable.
10:48
